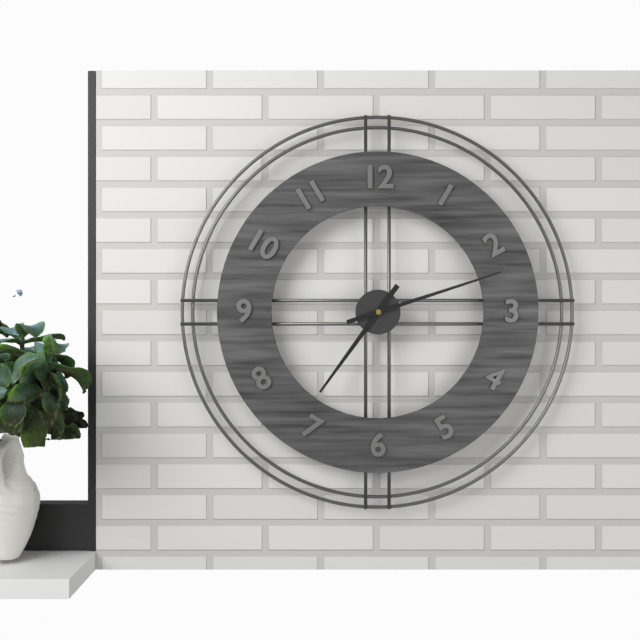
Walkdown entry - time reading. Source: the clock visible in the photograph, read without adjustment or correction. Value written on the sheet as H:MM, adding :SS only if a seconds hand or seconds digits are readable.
7:12
